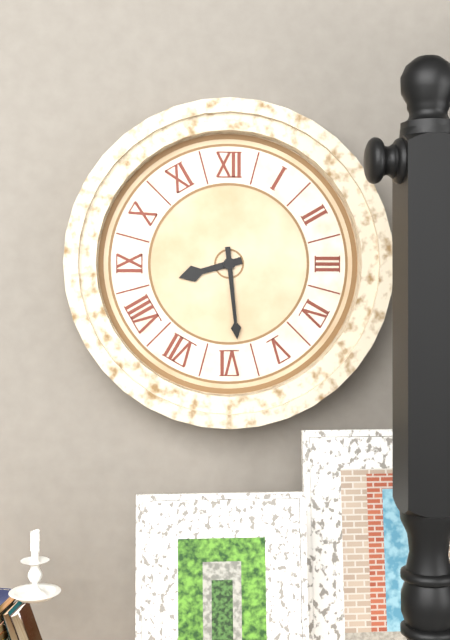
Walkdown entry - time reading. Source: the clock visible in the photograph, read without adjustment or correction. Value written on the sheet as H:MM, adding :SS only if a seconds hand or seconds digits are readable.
8:29
